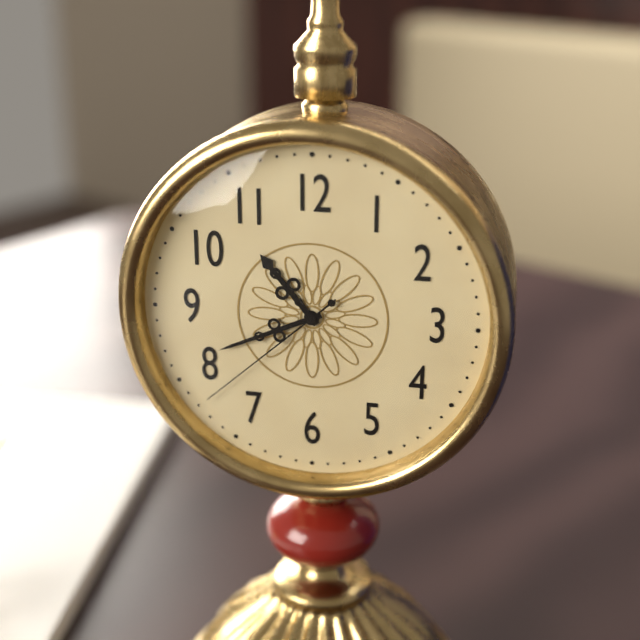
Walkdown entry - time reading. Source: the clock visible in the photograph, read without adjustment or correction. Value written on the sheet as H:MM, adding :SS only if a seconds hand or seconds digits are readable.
10:41:38
